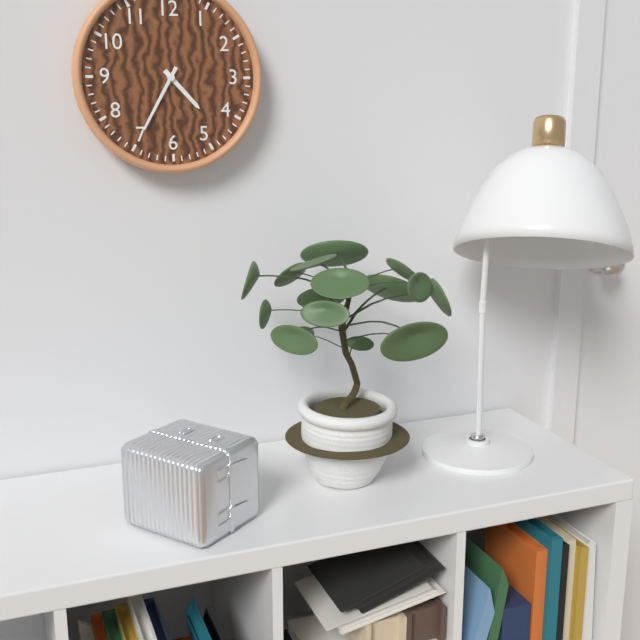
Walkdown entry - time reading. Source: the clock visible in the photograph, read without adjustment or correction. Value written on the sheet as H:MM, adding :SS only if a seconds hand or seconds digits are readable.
4:35
